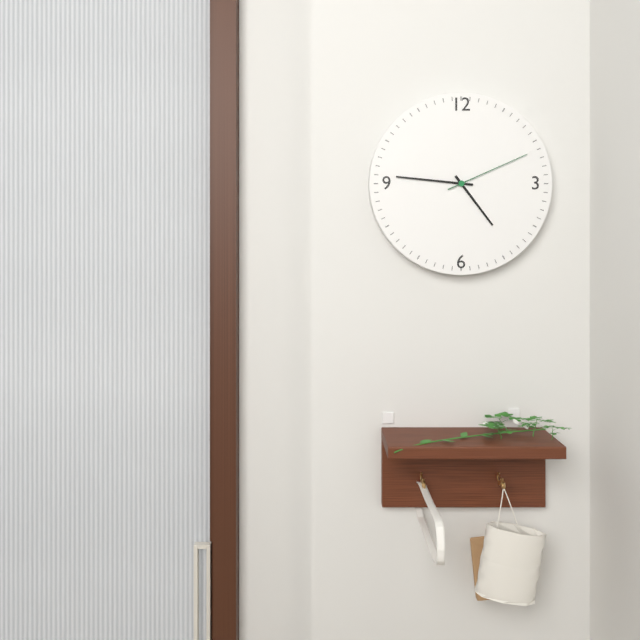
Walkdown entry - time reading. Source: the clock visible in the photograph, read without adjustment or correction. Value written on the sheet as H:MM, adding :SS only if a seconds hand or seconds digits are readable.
4:46:11
